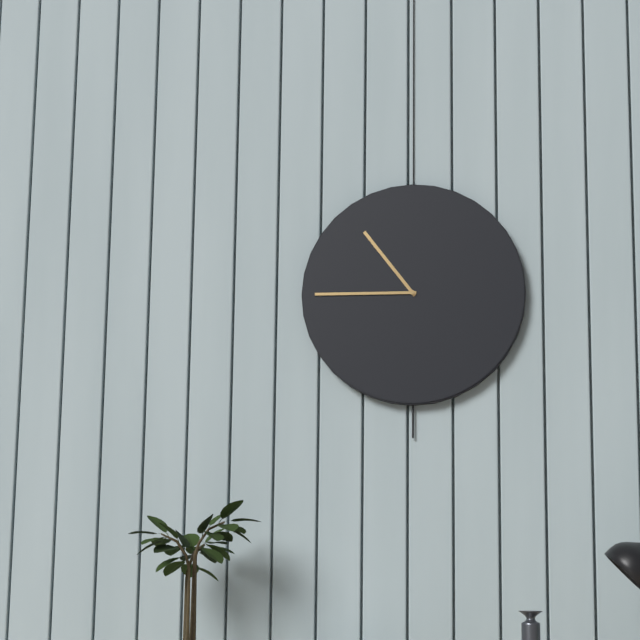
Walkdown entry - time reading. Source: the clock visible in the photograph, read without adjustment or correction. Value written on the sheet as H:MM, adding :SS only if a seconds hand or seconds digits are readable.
10:45
